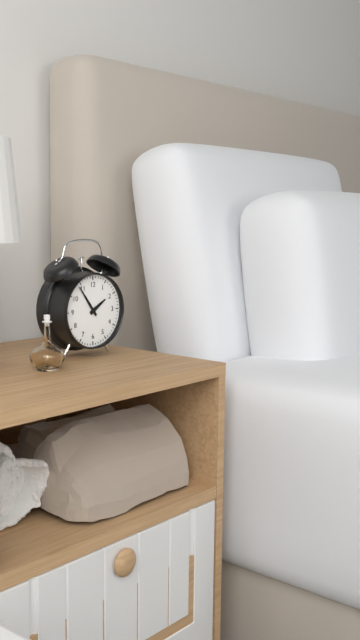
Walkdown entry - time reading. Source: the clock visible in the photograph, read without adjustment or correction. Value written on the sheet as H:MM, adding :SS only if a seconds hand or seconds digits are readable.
1:54
